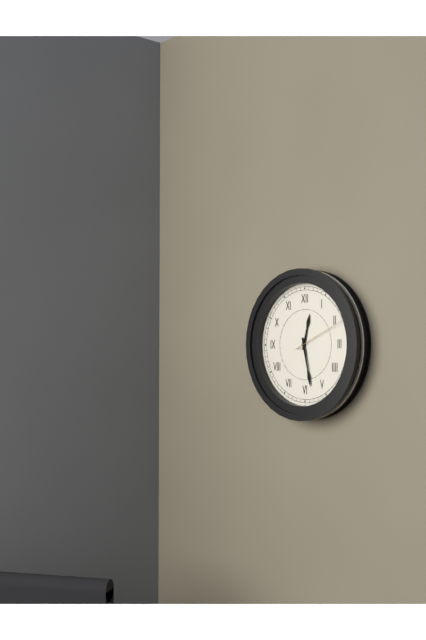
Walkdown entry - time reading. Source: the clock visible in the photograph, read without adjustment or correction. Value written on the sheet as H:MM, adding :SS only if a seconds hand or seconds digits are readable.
12:28:11
